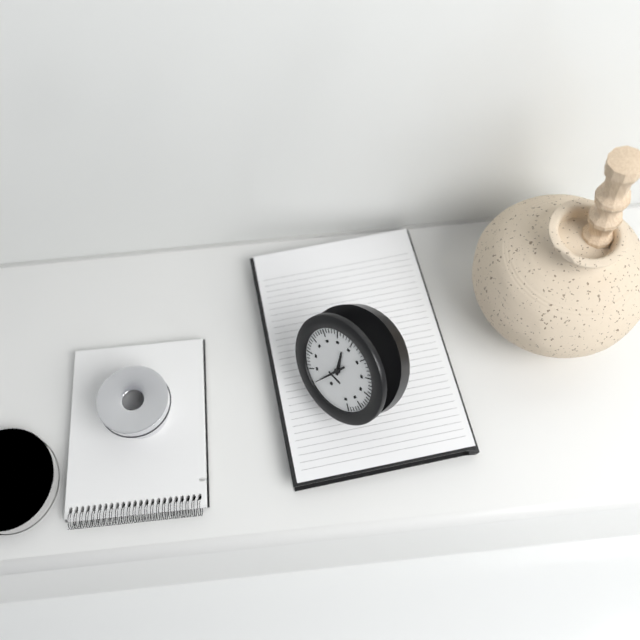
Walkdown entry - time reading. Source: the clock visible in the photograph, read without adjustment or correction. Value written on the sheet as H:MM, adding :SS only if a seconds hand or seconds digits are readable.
11:34
